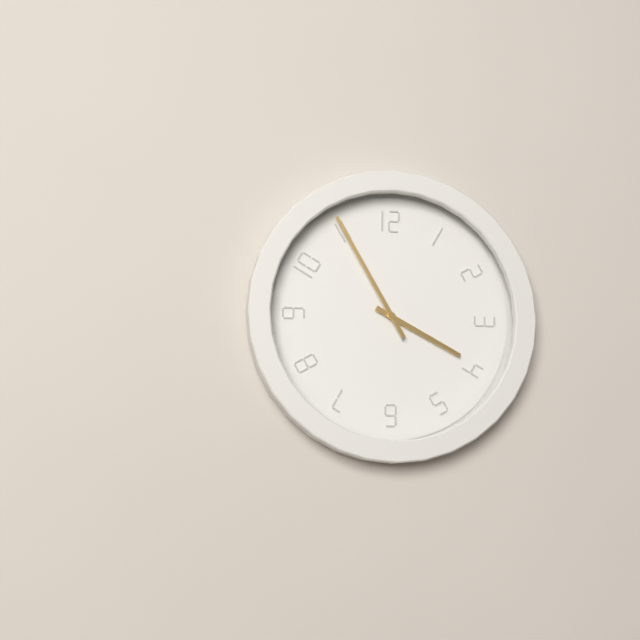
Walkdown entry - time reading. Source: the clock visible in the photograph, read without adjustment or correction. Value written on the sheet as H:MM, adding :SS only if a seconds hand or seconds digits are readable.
3:55
